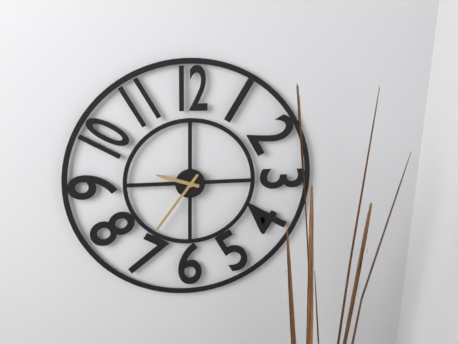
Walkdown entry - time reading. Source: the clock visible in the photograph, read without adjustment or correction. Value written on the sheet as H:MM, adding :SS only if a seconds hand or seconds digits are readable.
9:36
